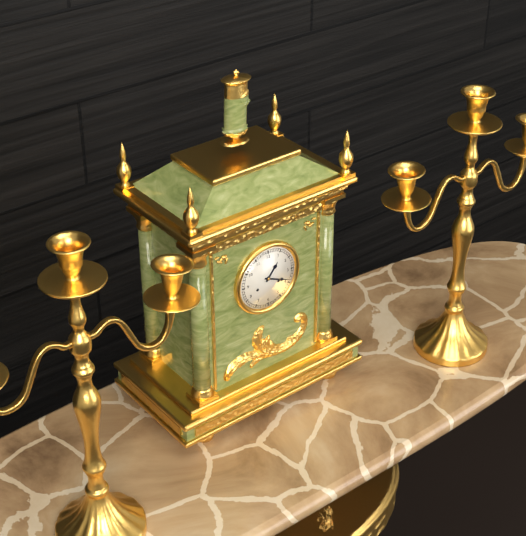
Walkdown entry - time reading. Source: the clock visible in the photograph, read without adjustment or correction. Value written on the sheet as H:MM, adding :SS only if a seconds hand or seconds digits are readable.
1:19
